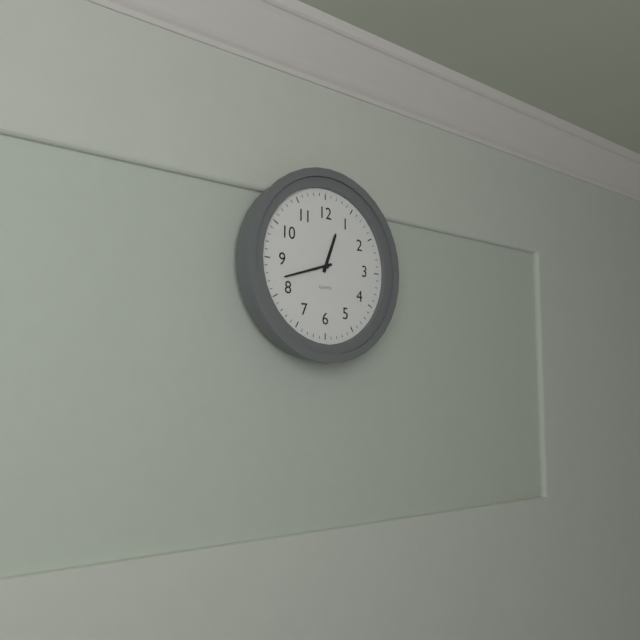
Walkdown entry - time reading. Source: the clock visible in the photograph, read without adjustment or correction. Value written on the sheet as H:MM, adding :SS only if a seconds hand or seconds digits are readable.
12:42
